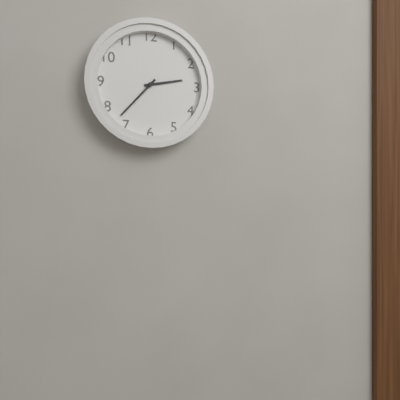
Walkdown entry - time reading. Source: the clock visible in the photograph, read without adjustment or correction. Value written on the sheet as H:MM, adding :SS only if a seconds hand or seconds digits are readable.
2:37
